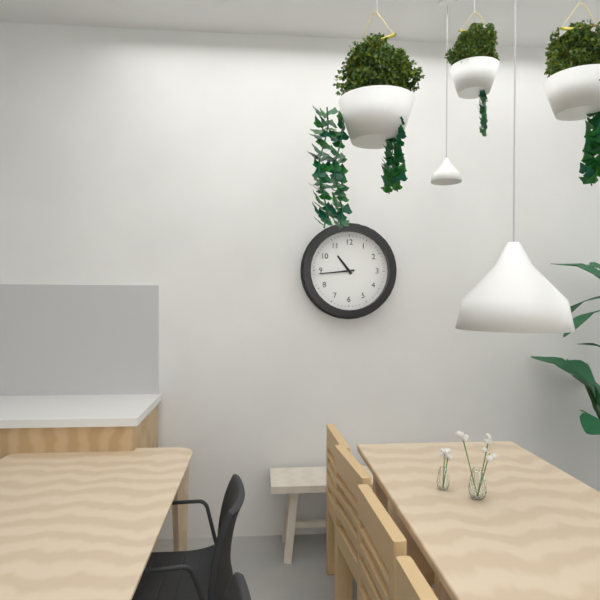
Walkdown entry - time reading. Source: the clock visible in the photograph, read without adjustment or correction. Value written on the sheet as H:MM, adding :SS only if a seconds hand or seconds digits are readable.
10:44
